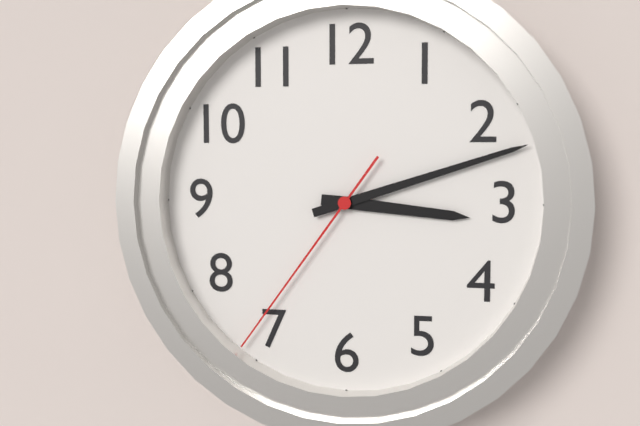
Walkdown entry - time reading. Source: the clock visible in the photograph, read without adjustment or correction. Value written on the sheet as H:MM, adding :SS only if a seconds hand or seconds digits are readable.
3:12:36
